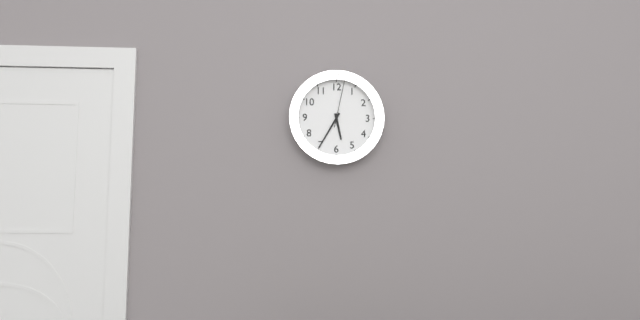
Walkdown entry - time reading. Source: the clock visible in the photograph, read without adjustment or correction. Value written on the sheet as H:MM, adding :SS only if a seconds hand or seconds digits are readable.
5:35
